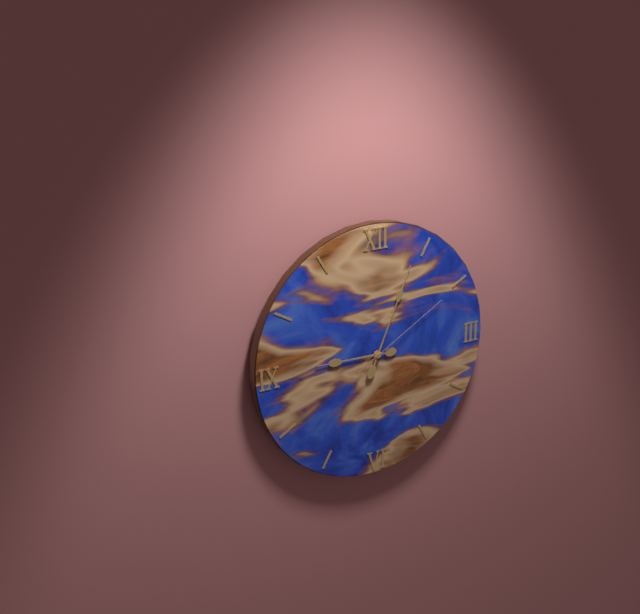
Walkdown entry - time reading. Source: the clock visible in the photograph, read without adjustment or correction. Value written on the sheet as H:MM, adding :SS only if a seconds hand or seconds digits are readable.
9:04:10
